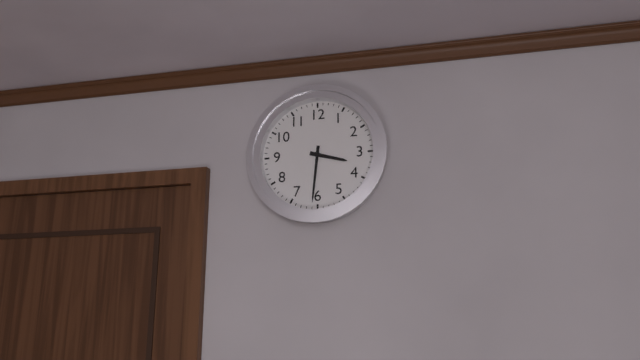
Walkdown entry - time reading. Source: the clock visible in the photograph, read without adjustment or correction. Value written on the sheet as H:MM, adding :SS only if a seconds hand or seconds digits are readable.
3:31
